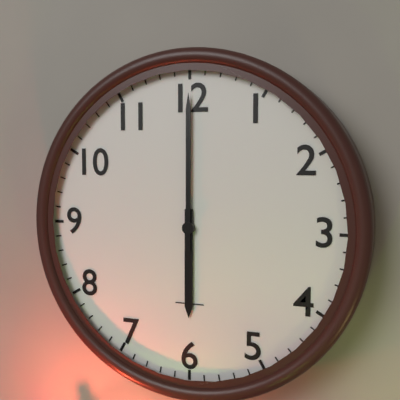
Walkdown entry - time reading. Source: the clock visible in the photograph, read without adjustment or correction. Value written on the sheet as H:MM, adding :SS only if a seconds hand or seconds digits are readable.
6:00
